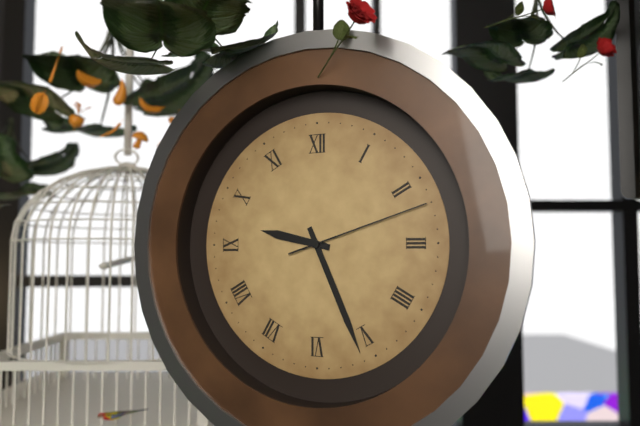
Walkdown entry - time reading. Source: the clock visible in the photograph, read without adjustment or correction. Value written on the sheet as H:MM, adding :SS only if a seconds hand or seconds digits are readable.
9:26:12
